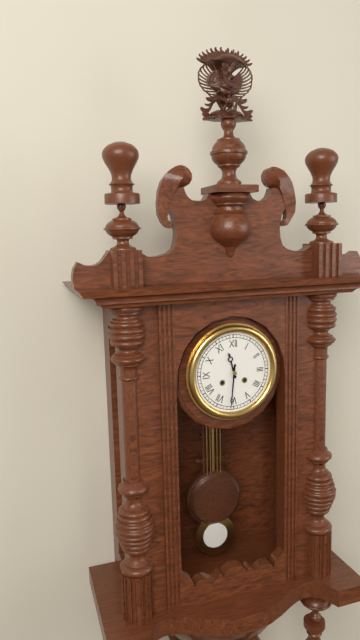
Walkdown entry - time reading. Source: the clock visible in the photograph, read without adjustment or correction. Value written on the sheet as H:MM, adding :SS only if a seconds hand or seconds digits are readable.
11:31
